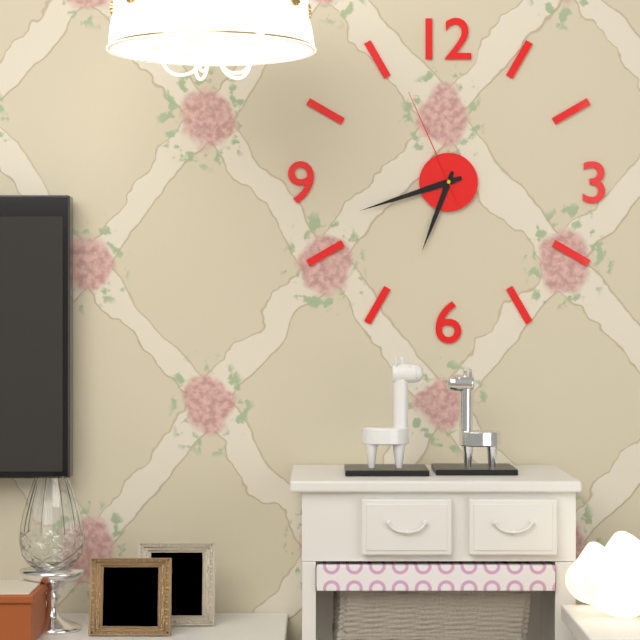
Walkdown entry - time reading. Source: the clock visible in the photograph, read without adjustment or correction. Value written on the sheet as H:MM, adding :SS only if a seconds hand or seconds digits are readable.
6:42:56
